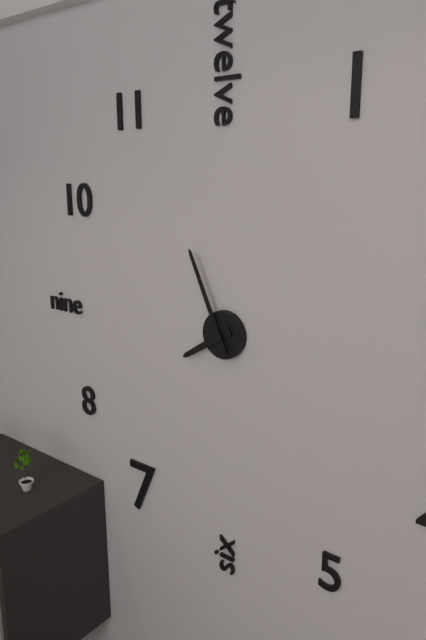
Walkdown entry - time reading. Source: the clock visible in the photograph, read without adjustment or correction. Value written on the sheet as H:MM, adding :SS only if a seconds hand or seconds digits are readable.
7:56
